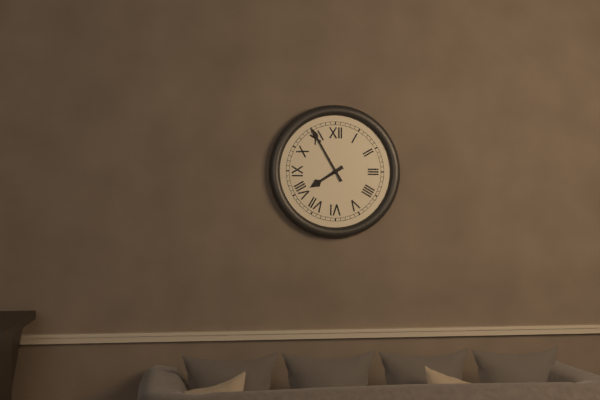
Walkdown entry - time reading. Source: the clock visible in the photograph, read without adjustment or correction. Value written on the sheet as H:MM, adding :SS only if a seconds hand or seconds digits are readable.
7:55
